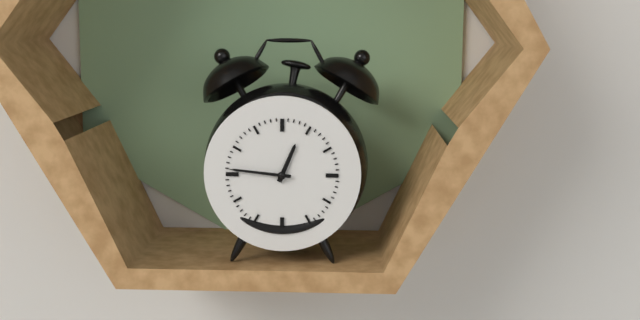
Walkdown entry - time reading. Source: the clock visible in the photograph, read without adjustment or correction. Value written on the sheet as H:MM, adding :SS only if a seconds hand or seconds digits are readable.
12:46
